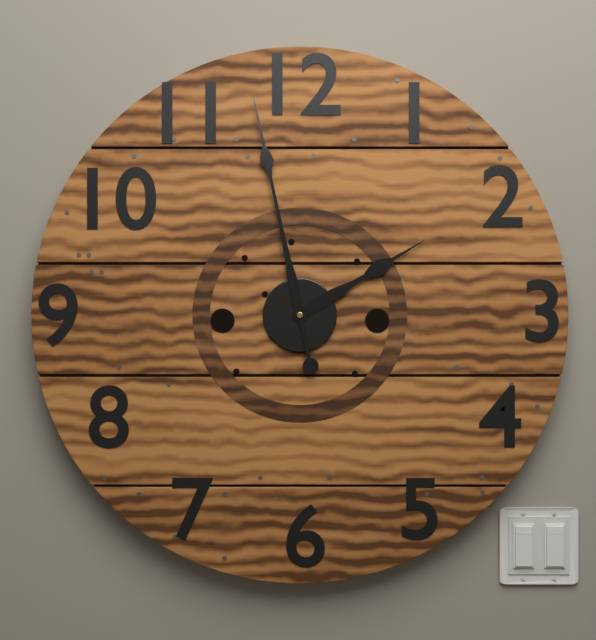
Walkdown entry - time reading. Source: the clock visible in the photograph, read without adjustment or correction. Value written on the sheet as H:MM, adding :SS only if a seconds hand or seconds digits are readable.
1:58
